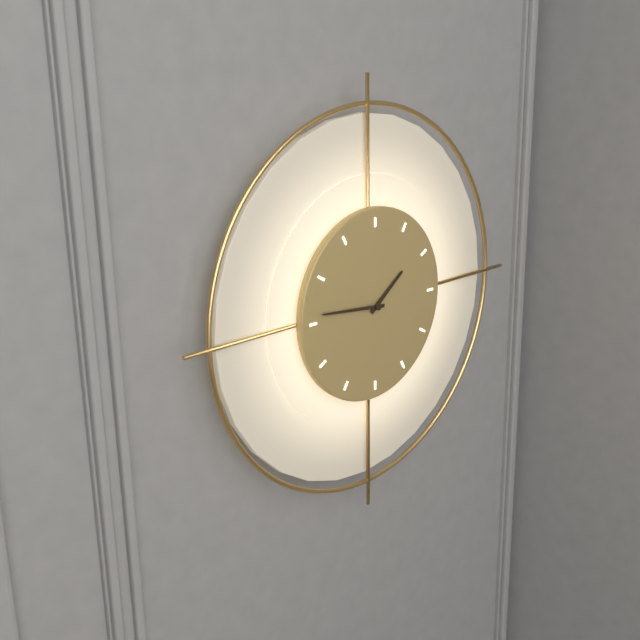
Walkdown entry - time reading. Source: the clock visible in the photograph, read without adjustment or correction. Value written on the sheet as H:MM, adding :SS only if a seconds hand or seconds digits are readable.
1:46
